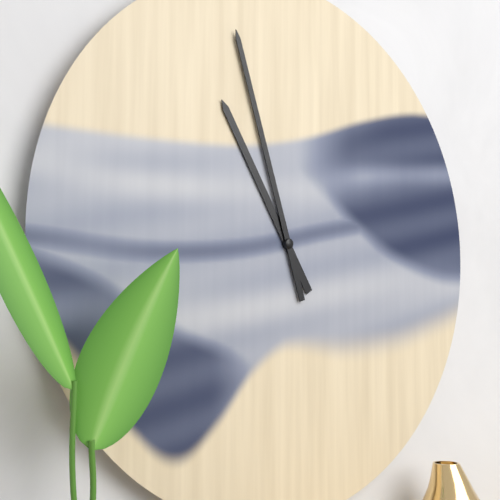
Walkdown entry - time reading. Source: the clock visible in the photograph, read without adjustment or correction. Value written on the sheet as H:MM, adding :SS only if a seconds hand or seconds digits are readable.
10:57
